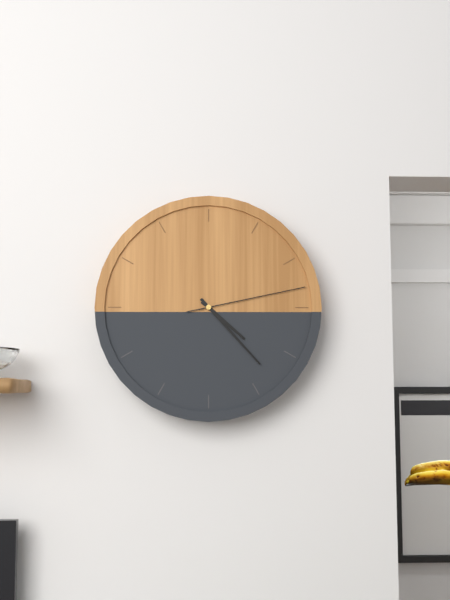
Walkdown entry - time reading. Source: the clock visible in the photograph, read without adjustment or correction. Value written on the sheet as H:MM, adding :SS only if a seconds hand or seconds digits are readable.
4:23:13
